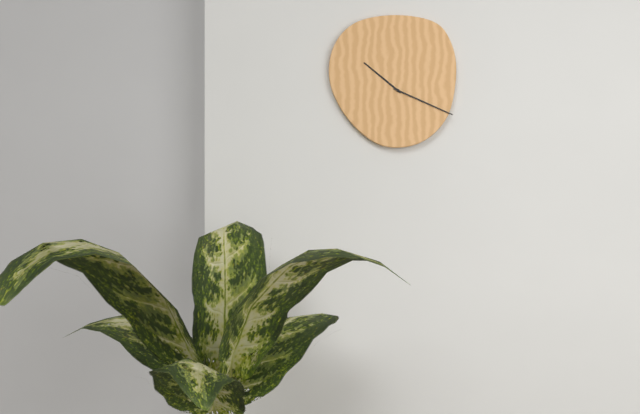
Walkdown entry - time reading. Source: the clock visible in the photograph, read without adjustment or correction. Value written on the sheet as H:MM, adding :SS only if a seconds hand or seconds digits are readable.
10:19
